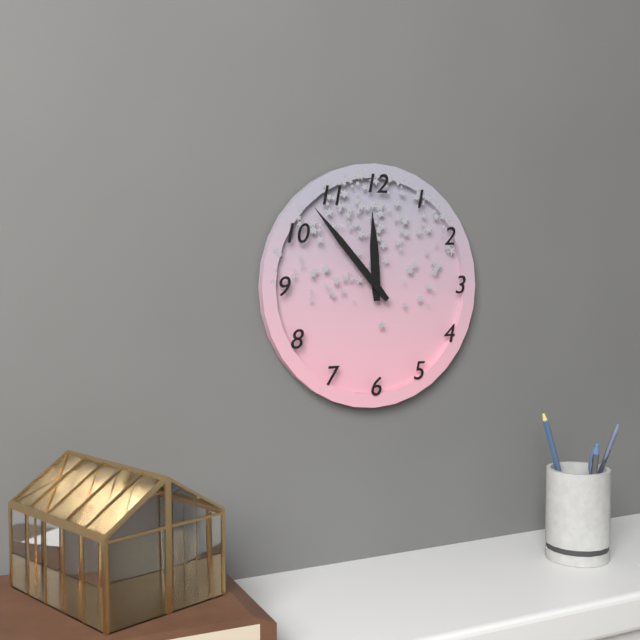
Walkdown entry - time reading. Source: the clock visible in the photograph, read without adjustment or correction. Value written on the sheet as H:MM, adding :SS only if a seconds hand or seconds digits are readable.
11:53
